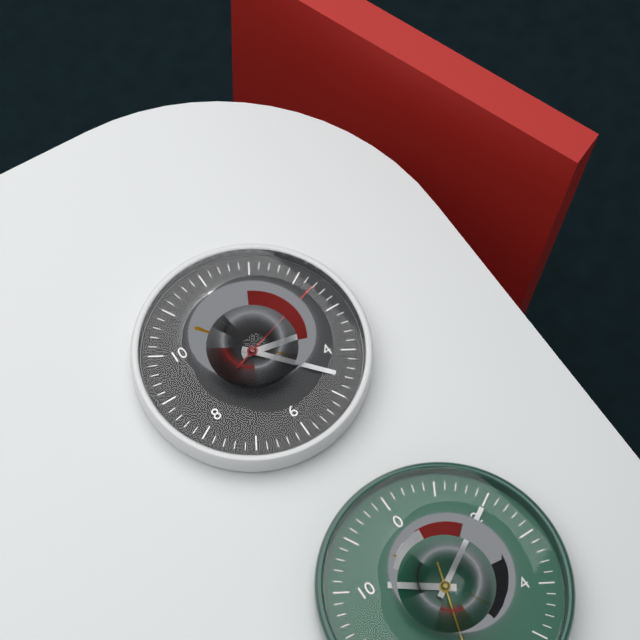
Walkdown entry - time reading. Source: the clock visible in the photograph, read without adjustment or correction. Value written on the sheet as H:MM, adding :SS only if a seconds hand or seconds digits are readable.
3:23:12
